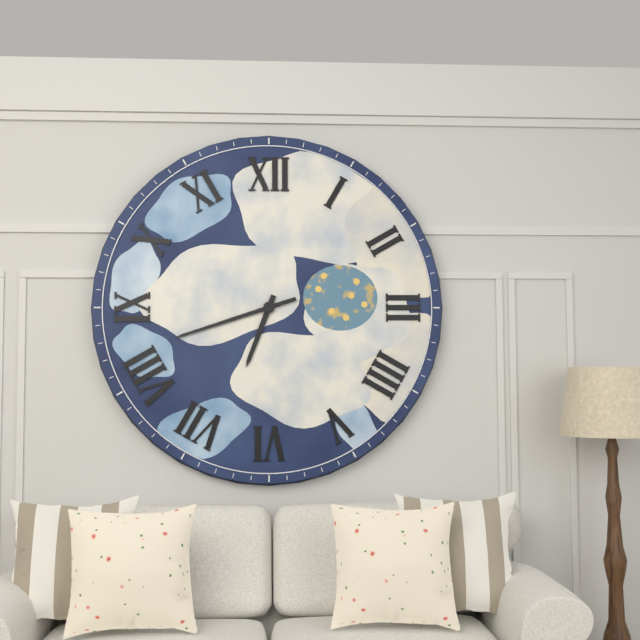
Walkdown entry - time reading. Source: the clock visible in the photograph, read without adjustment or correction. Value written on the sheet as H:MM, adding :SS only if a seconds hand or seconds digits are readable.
6:42
